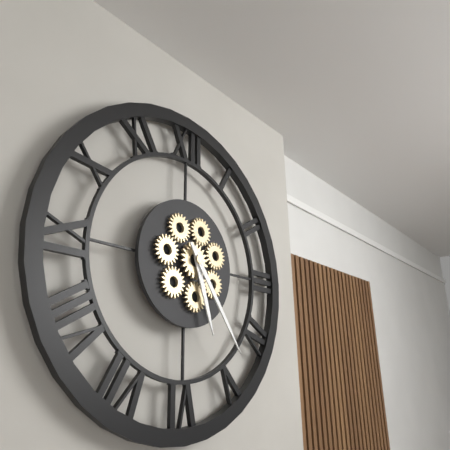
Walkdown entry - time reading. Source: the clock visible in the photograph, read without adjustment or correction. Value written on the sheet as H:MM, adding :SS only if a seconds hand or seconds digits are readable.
5:24
